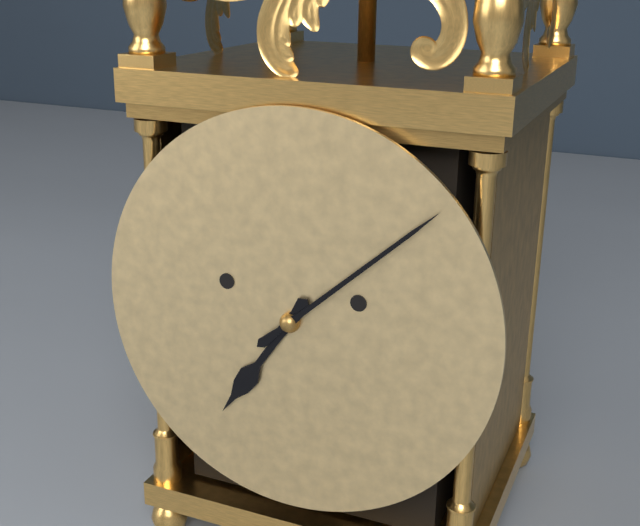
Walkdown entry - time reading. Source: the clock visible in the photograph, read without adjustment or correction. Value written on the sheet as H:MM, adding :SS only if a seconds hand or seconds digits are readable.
7:08
